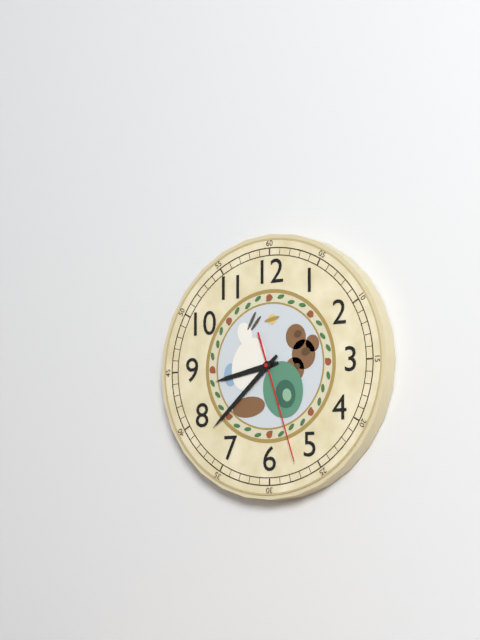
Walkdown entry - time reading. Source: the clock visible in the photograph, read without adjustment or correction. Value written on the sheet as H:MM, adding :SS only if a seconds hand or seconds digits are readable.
8:38:27
